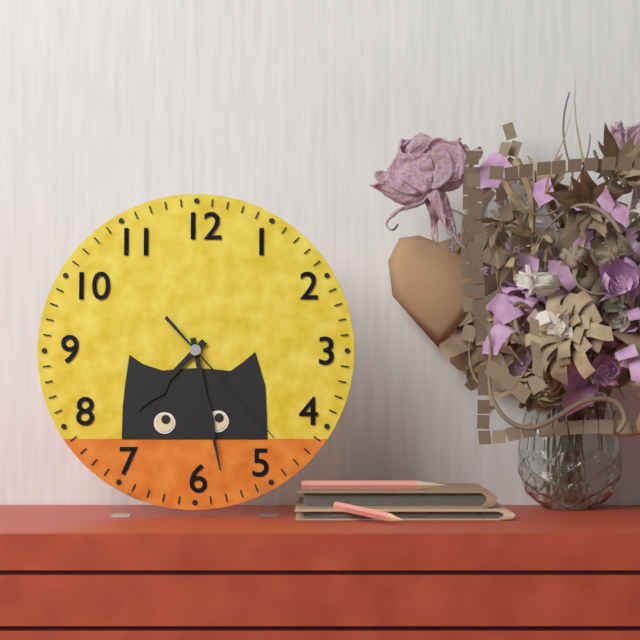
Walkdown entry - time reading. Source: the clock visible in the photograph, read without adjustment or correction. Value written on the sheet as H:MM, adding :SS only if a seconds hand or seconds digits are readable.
7:28:23
